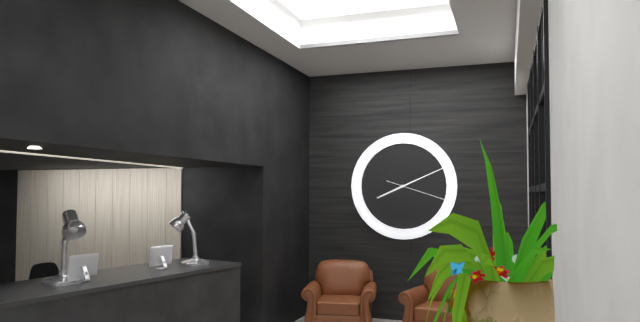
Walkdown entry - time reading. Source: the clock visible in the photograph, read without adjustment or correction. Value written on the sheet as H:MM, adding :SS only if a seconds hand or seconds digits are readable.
8:11:18
